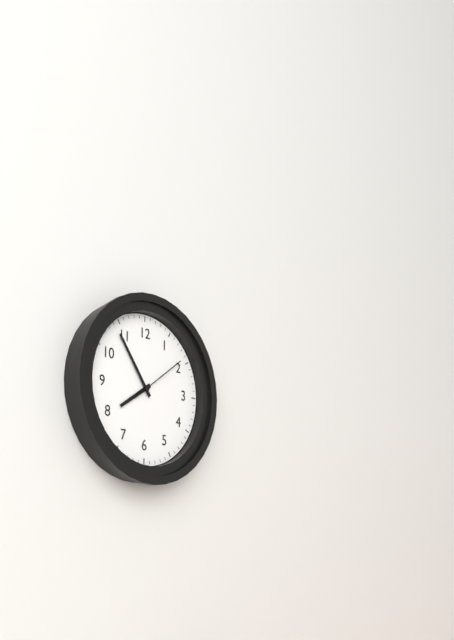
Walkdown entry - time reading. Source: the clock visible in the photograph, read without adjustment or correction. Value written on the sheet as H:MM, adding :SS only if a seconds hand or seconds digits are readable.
7:54:09
